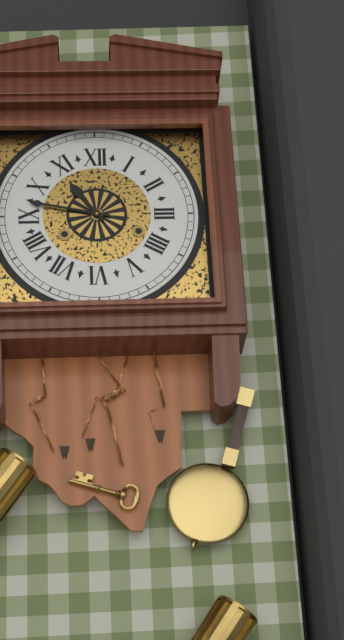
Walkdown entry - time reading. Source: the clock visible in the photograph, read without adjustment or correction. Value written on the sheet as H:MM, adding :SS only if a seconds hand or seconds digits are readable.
10:47
